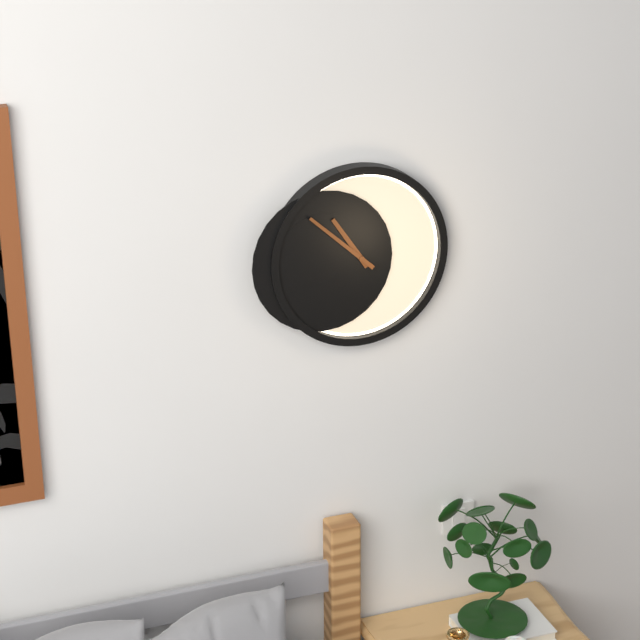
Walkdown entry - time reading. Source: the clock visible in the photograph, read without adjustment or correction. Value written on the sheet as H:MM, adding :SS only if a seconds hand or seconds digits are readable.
10:52
